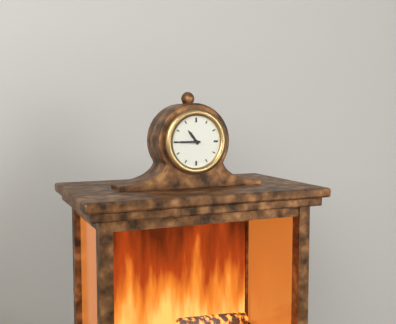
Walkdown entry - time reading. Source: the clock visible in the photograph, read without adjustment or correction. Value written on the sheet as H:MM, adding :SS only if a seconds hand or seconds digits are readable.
10:45
